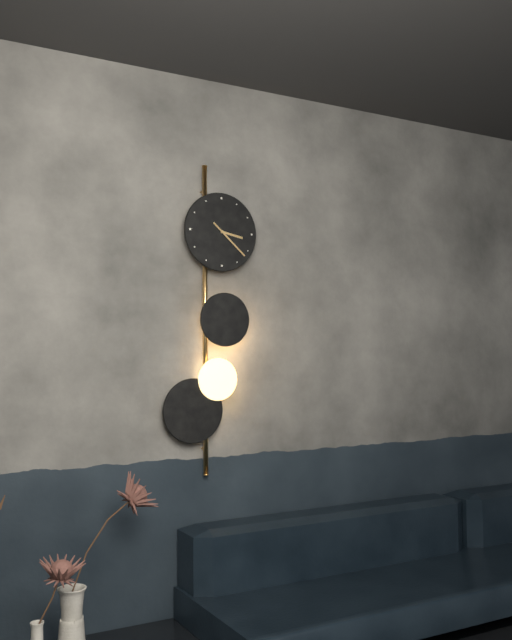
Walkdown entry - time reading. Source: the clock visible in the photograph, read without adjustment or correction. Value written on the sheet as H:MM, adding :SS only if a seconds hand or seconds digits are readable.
3:22
